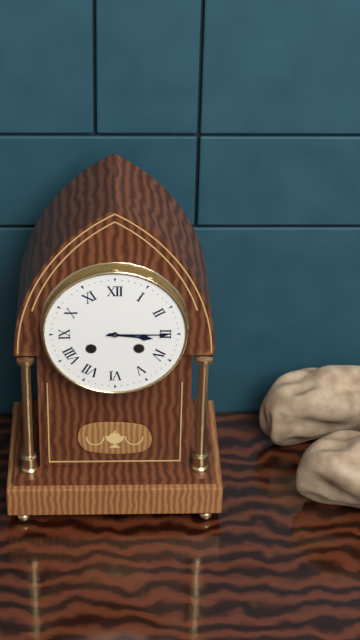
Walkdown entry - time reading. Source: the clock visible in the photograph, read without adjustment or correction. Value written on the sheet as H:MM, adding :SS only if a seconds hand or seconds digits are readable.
3:15
